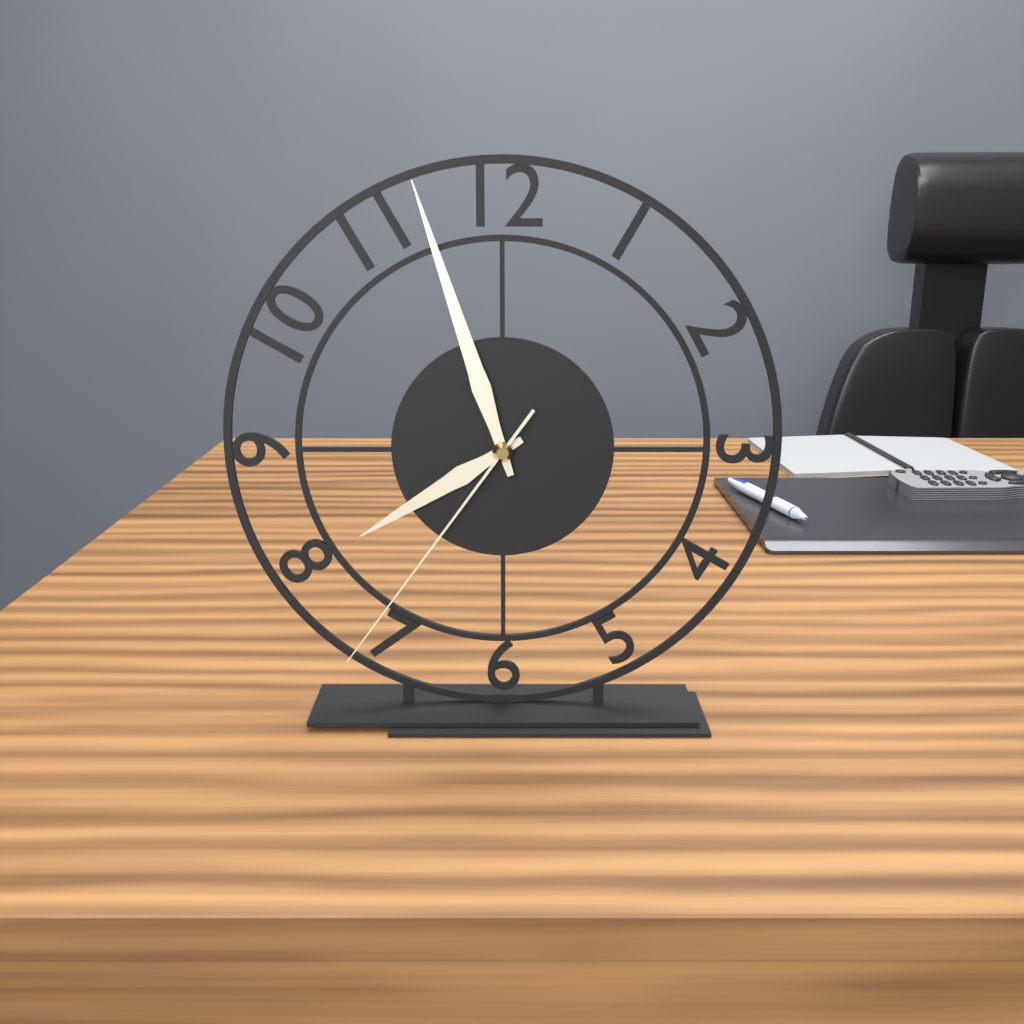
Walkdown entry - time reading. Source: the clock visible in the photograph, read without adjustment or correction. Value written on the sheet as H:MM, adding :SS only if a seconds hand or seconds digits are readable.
7:57:36
